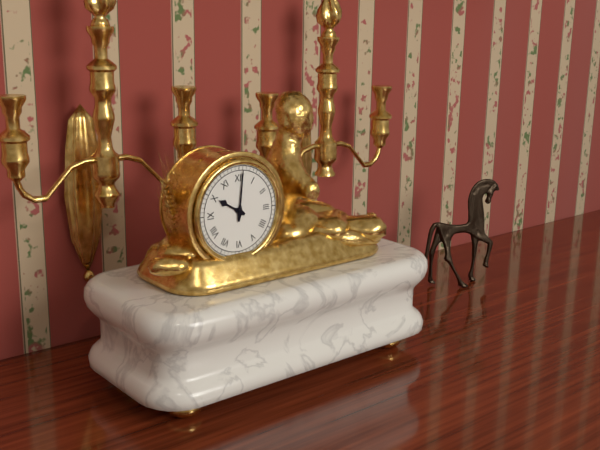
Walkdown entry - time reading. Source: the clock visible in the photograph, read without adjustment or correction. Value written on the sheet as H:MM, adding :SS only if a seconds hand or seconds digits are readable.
10:01
